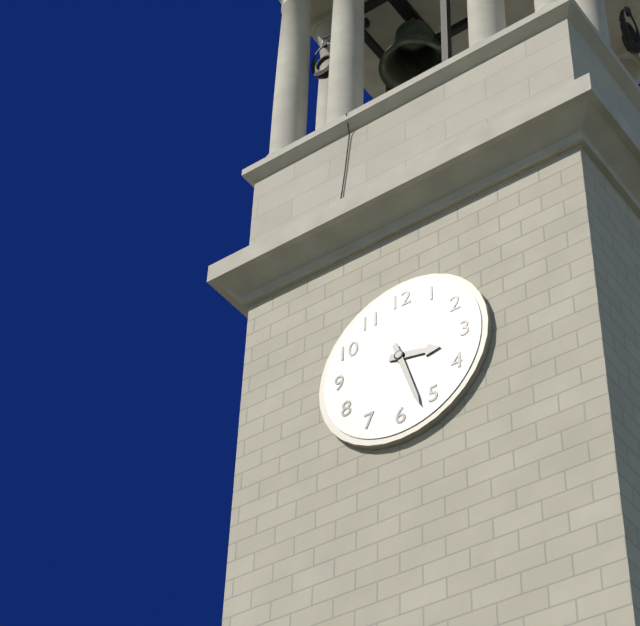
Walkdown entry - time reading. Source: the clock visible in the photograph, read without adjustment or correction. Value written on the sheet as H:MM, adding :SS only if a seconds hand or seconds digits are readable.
3:27
